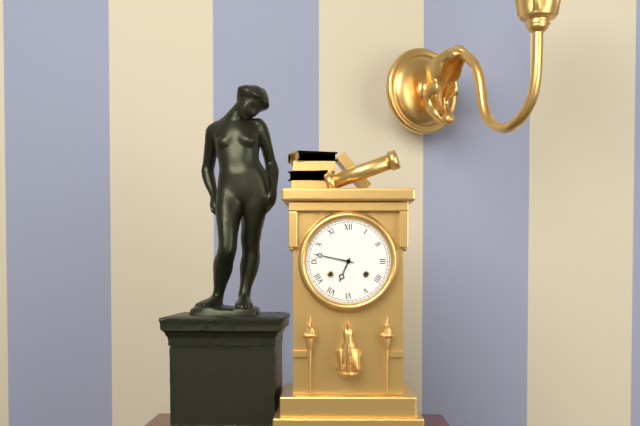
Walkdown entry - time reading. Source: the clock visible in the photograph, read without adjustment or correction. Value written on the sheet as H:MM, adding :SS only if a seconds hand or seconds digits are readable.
6:47
